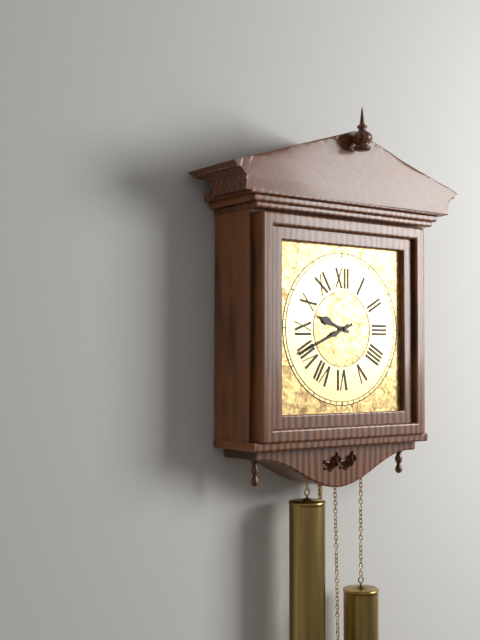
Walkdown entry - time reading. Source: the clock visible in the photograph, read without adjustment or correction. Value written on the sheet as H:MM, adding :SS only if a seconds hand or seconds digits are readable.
9:41
